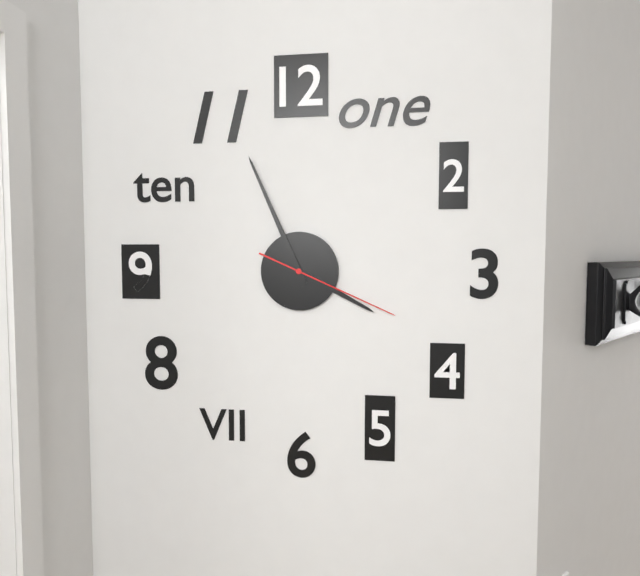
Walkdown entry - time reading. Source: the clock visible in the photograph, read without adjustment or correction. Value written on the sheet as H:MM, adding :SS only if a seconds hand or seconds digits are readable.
3:56:19
